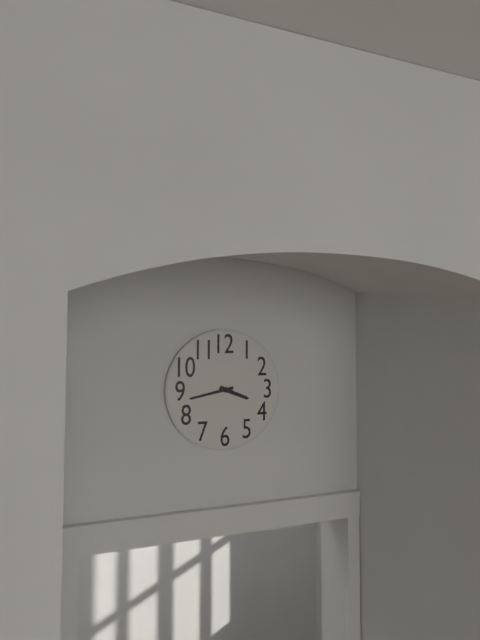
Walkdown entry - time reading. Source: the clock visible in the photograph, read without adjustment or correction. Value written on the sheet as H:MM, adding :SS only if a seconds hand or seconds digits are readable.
3:43
